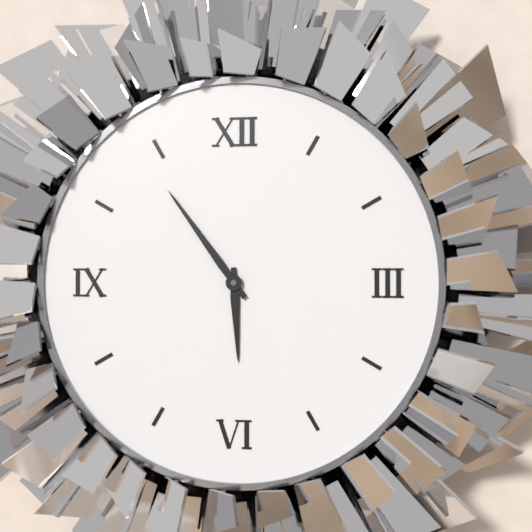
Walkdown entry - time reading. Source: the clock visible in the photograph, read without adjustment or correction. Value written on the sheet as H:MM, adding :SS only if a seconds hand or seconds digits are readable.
5:54
